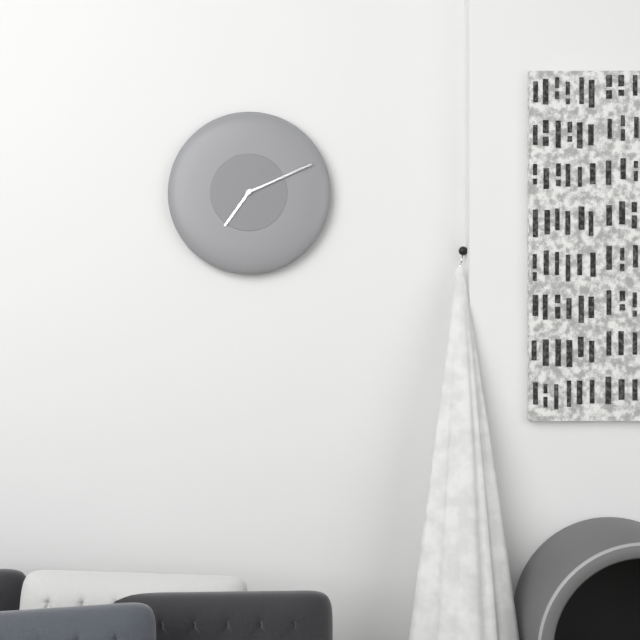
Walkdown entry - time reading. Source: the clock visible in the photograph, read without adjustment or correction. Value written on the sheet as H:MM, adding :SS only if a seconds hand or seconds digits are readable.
7:11
